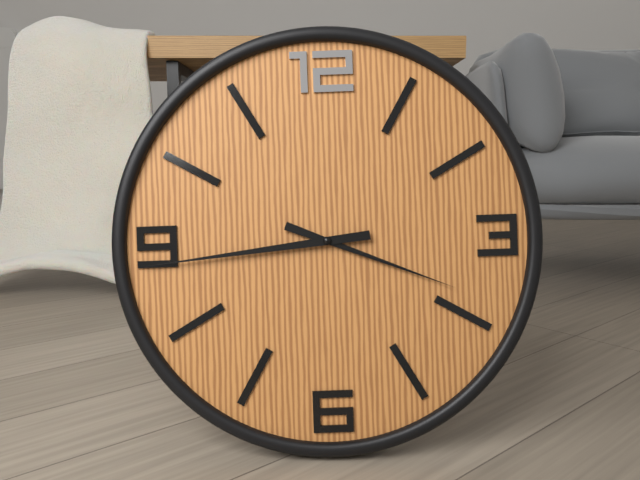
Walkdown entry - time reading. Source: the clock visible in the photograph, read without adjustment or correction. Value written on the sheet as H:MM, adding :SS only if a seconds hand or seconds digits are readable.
3:44
